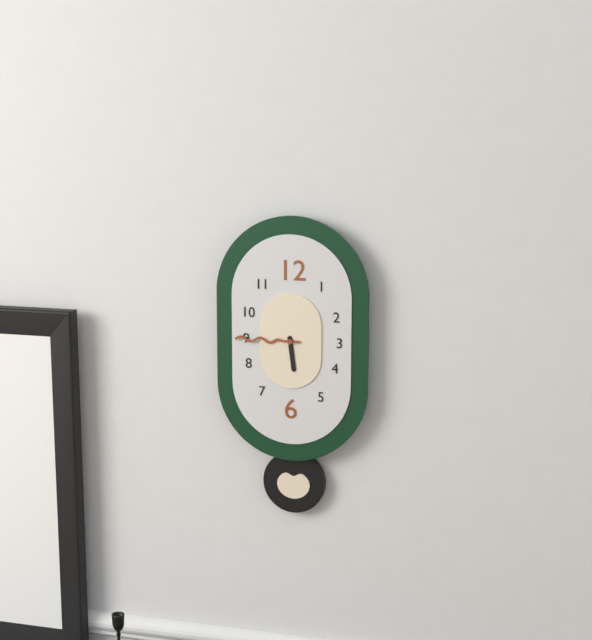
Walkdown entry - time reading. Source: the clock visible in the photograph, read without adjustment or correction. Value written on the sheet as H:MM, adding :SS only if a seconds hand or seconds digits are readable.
5:45
